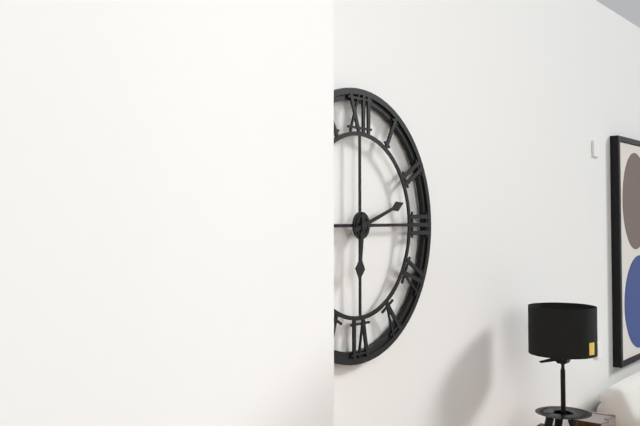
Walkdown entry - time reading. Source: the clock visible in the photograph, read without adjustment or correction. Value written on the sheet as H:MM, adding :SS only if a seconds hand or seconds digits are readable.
6:12
